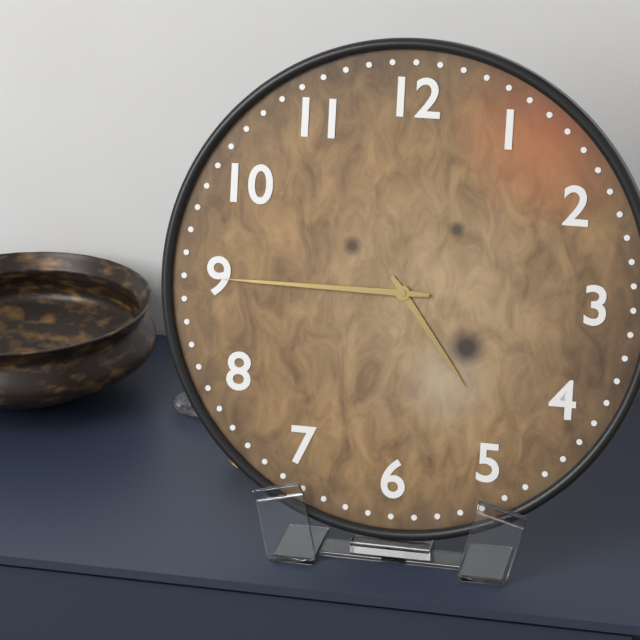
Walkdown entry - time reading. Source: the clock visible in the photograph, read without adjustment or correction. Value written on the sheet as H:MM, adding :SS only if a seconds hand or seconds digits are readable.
4:45
